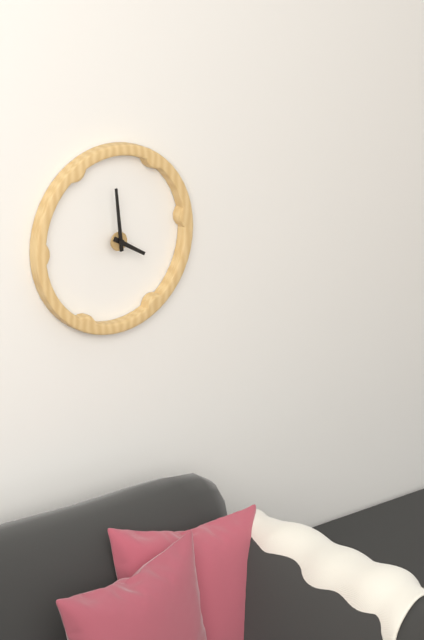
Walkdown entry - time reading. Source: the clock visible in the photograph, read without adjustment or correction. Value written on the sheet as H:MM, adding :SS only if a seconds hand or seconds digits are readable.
3:59
